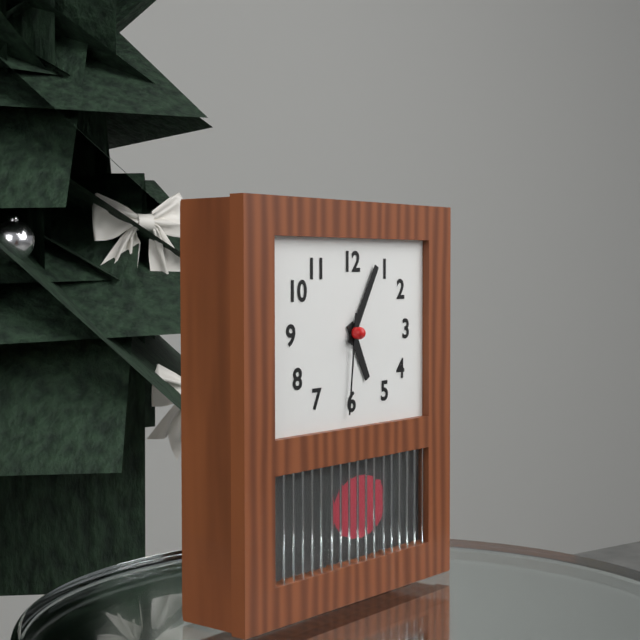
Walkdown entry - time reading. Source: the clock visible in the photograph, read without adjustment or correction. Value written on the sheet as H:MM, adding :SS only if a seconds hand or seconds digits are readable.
5:05:31
